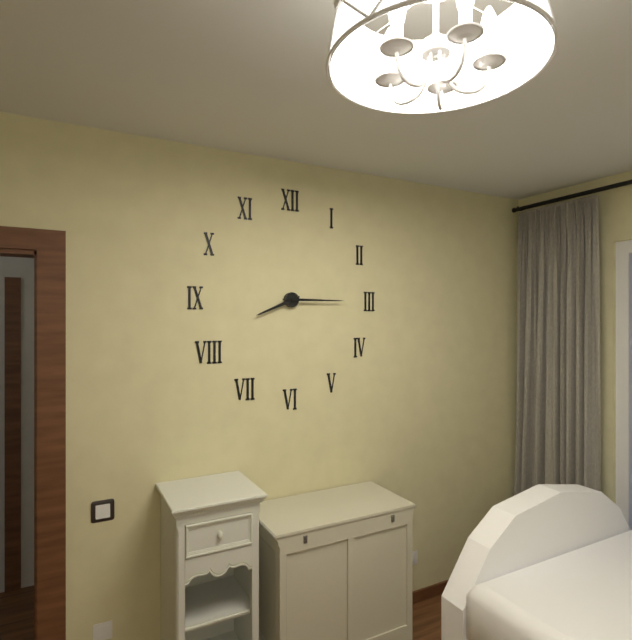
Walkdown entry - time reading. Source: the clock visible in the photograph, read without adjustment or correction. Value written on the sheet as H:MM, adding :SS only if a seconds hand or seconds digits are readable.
8:15
